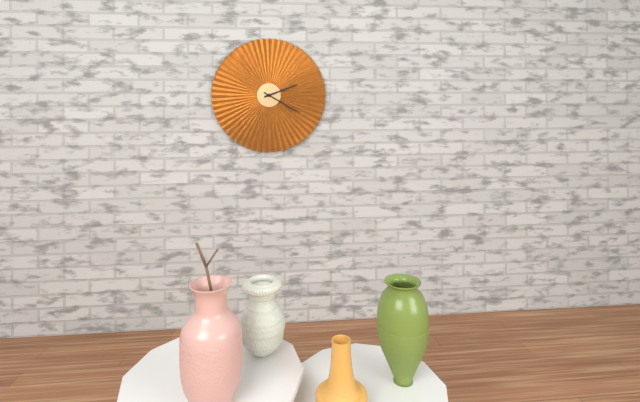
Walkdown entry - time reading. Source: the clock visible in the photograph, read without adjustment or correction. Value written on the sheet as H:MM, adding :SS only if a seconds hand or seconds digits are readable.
2:20
